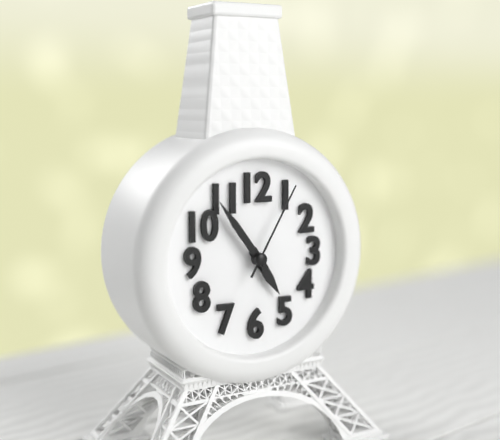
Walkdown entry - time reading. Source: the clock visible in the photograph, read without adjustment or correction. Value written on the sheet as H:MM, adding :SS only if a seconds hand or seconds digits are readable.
4:54:05
